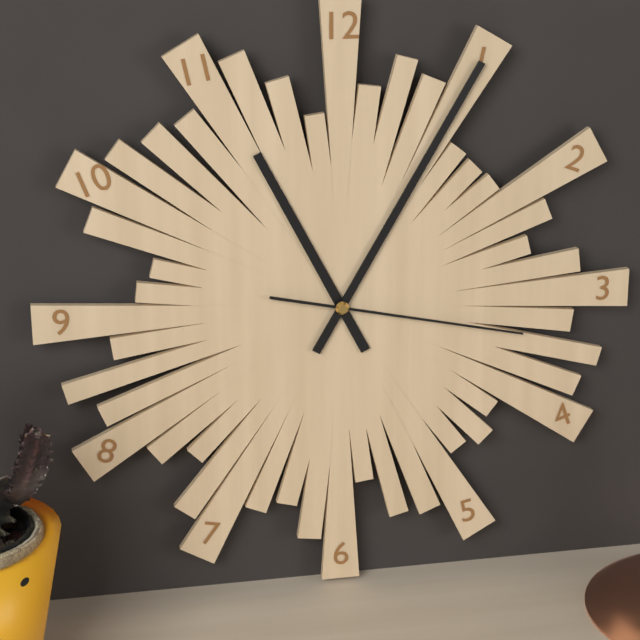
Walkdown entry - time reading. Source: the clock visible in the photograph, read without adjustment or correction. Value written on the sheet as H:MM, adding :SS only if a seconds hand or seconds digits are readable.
11:05:17
